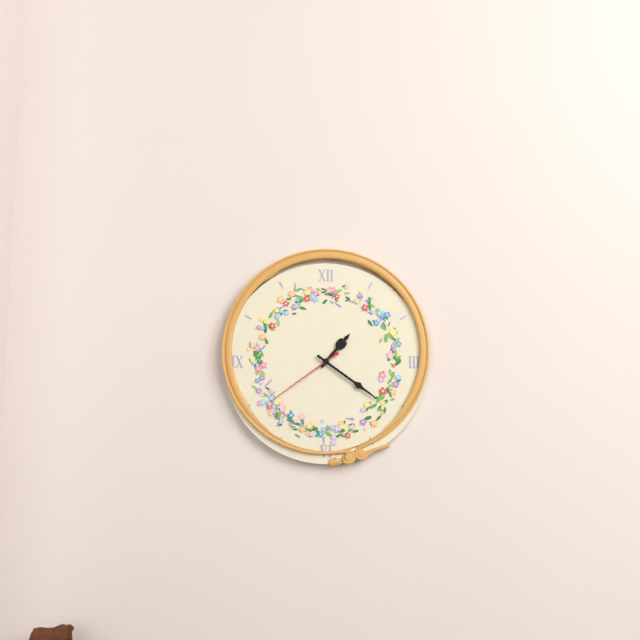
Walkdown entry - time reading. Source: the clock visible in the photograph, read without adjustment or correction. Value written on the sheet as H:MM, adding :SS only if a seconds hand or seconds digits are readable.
1:21:39
